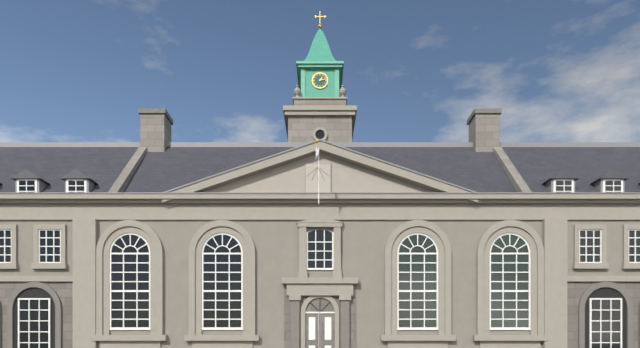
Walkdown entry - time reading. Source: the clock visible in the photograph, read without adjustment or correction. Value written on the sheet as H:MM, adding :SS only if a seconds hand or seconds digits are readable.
1:13
